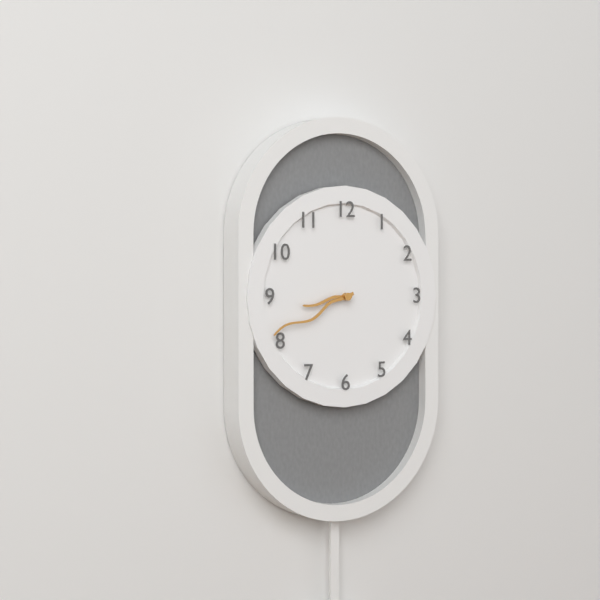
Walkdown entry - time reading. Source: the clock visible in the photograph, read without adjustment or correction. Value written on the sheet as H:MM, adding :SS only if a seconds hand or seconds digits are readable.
8:41
